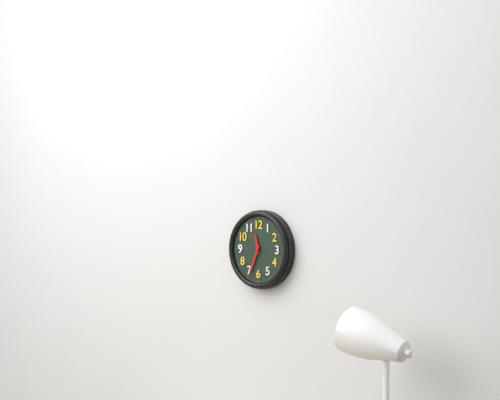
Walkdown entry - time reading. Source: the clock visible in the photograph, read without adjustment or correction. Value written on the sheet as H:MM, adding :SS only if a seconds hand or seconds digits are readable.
11:34
